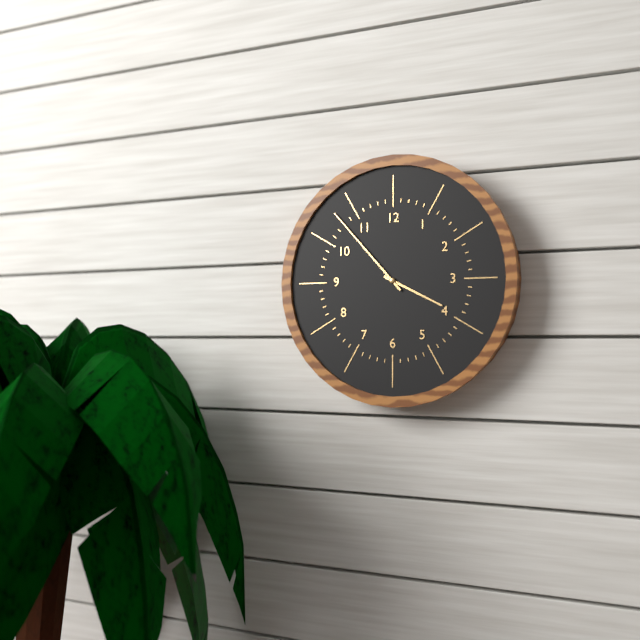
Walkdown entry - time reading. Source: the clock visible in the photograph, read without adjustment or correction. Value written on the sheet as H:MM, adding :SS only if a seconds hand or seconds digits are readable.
3:53
